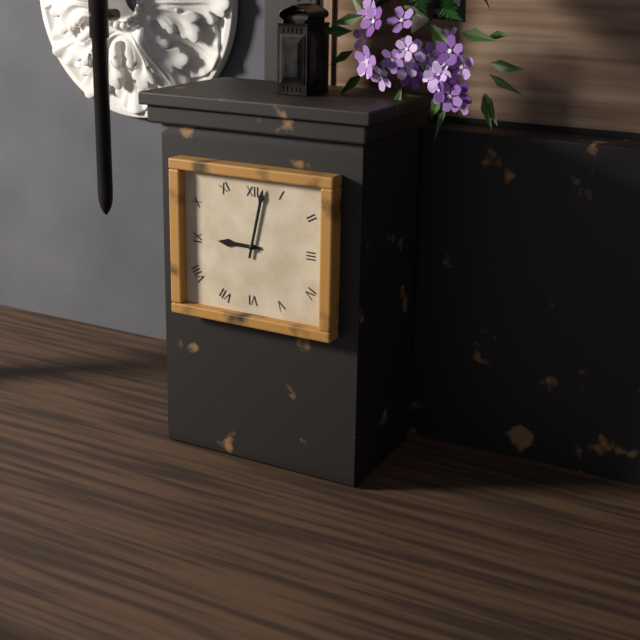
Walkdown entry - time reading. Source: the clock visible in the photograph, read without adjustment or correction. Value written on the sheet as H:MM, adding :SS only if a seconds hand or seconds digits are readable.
9:02
